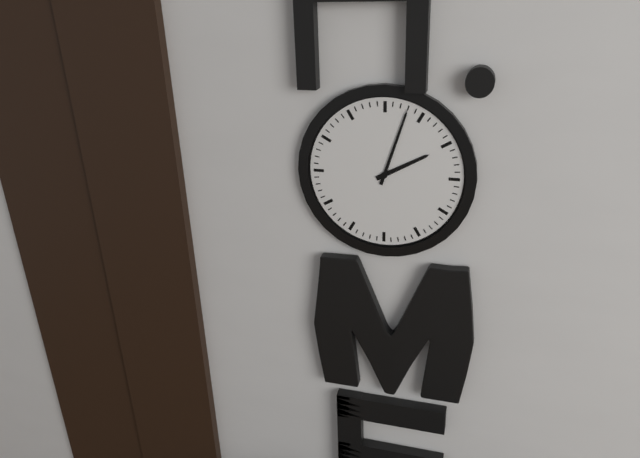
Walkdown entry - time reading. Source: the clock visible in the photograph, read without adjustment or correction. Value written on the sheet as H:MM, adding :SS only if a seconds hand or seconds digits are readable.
2:03
